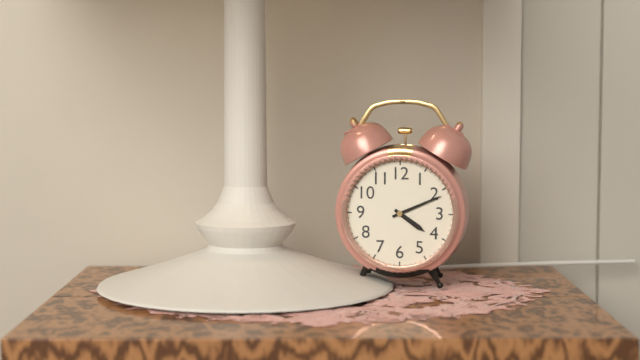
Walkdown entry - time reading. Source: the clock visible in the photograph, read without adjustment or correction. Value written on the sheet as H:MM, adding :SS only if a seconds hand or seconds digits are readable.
4:11
